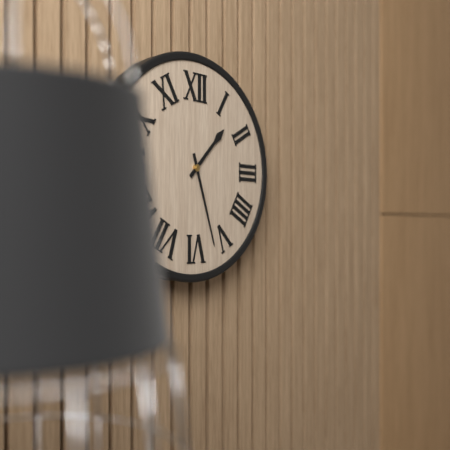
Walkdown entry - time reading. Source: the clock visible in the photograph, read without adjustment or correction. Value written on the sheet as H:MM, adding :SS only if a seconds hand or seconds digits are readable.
1:27
